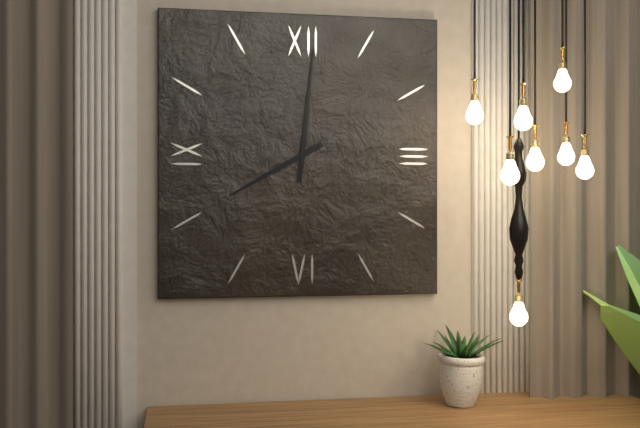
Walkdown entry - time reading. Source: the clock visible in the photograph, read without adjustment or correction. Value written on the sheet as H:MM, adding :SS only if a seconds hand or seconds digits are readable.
8:01
